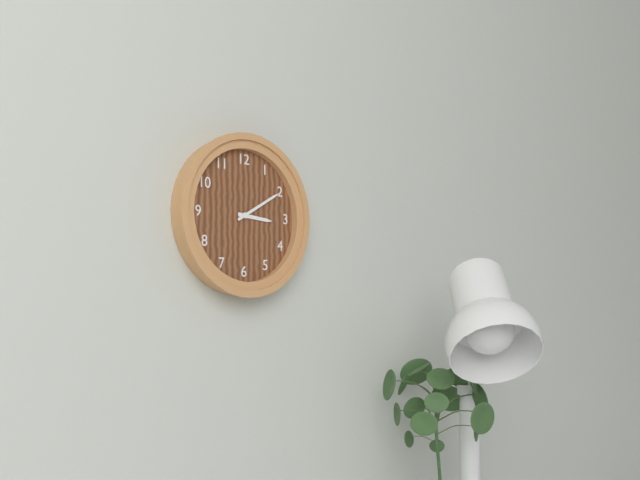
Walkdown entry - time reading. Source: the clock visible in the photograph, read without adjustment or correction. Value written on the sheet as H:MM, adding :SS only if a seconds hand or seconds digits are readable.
3:10
